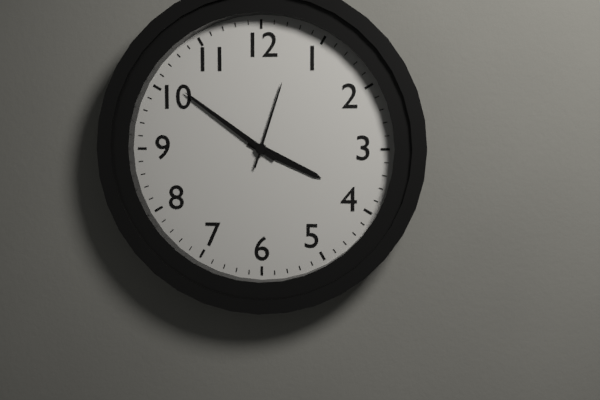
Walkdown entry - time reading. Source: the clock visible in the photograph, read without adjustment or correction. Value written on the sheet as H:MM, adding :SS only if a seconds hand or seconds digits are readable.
3:51:03
